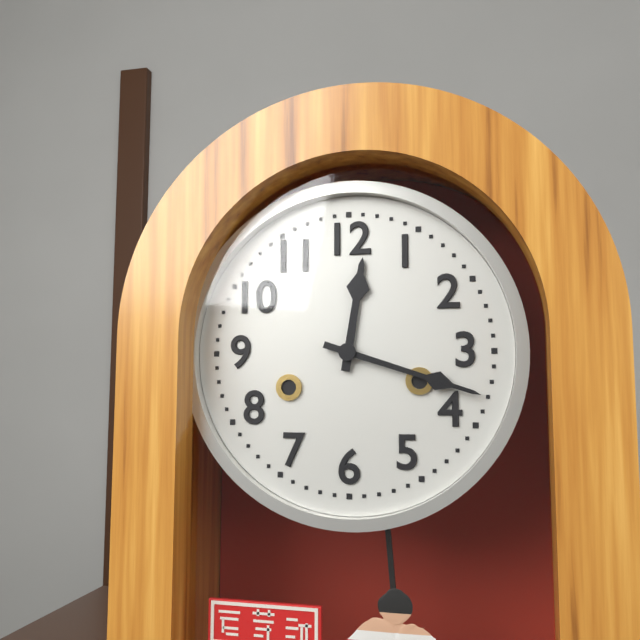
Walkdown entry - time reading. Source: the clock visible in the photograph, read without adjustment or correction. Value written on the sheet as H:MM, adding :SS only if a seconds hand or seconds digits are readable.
12:18
